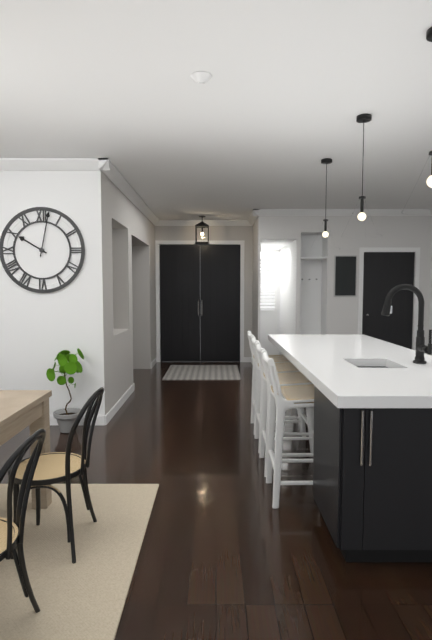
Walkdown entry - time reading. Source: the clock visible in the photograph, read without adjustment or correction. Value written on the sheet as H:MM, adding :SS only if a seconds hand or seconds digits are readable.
10:02
